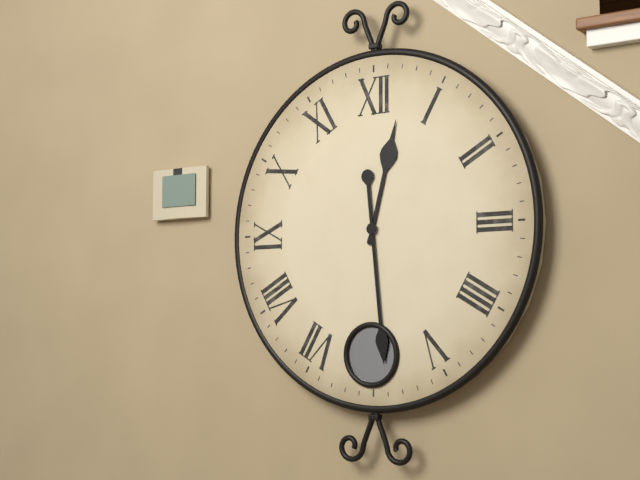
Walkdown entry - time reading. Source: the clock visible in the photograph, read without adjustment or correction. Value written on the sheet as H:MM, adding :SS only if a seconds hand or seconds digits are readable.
12:29
